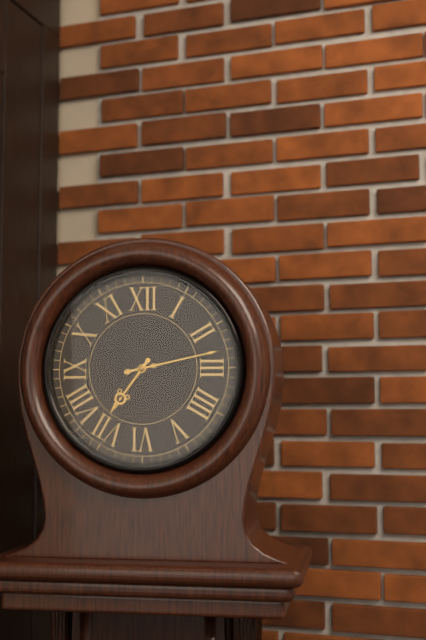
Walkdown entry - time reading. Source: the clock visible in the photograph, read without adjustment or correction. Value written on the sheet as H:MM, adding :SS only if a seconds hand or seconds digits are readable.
7:13
